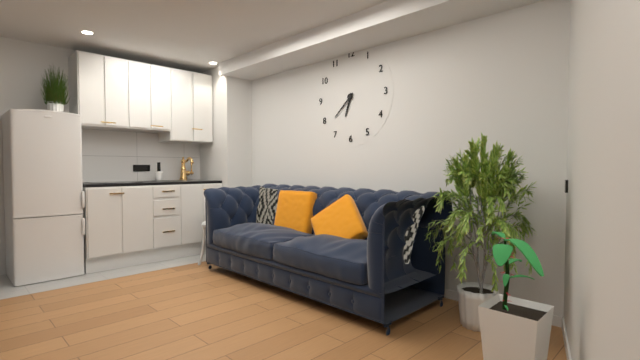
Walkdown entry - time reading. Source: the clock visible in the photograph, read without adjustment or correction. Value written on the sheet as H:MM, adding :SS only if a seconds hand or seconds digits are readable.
6:38
